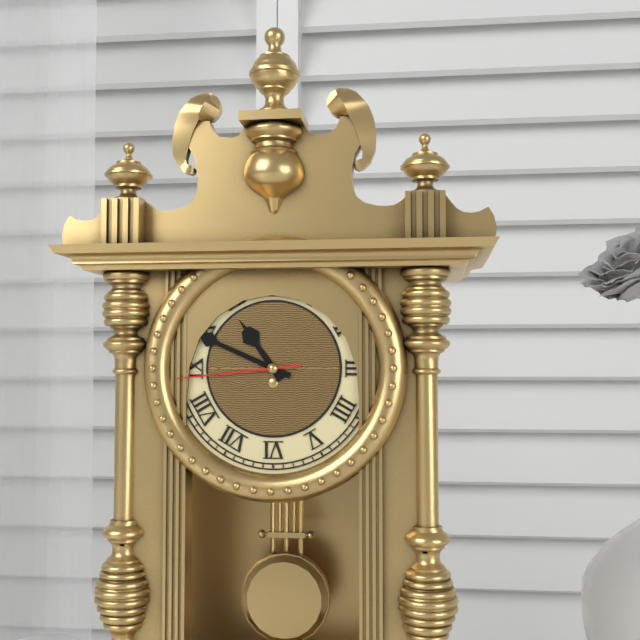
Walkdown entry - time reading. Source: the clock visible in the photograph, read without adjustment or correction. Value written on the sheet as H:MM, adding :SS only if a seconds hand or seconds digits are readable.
10:49:44
